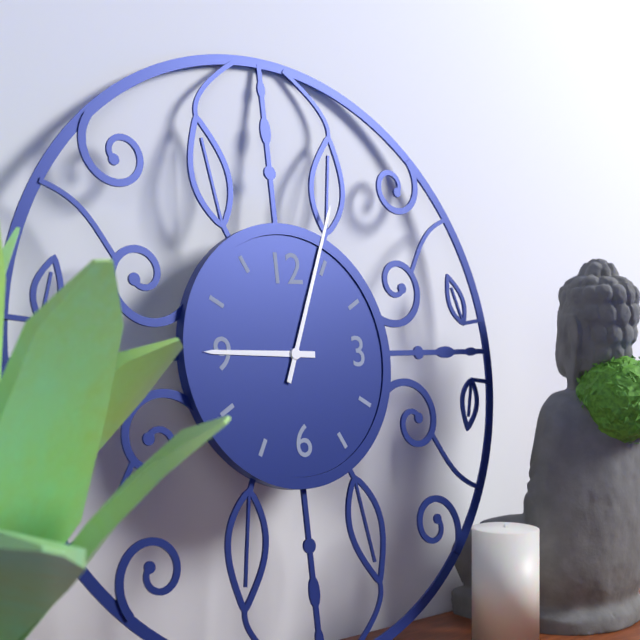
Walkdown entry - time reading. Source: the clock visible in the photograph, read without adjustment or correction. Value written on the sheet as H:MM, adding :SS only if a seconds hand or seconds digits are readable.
9:04
